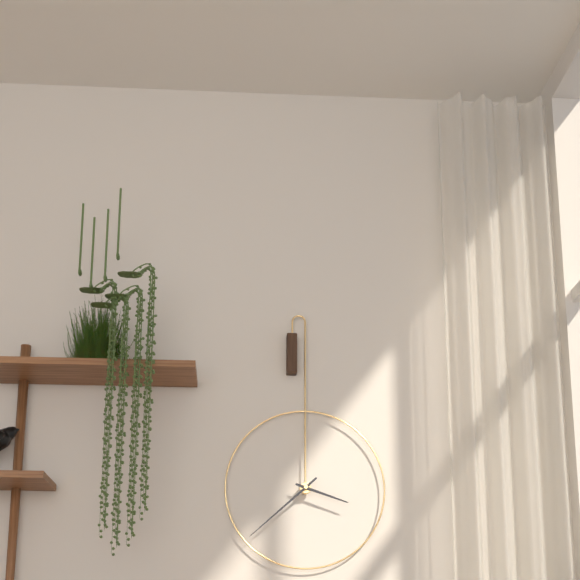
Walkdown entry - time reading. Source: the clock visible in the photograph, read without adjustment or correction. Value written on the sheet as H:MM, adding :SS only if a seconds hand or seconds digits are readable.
3:38
